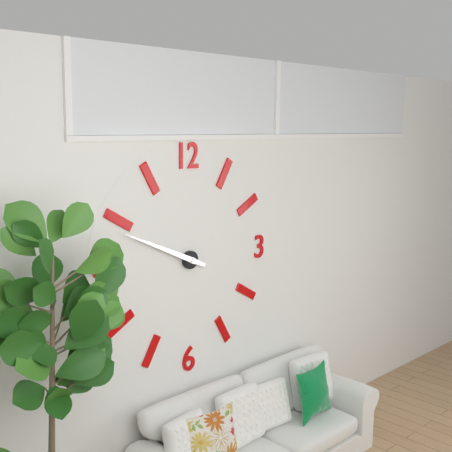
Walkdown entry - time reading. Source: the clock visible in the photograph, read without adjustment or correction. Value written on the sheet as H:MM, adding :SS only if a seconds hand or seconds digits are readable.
9:49
